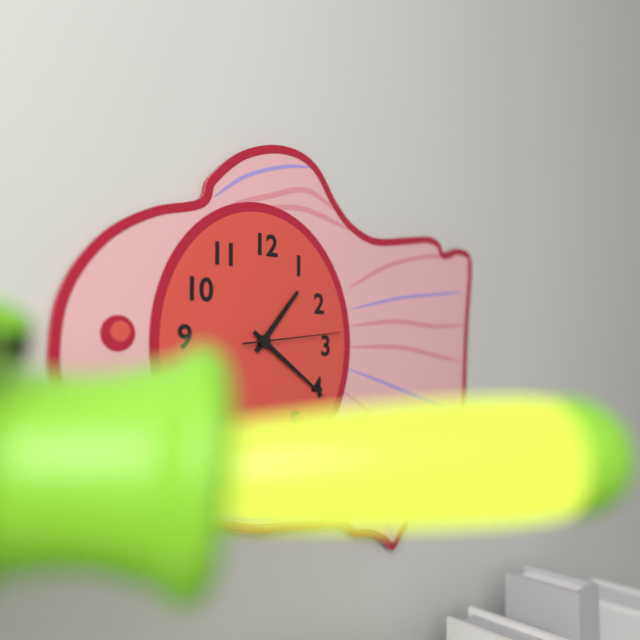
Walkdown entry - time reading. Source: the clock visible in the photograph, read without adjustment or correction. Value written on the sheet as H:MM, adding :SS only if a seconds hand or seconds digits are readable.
1:21:14
